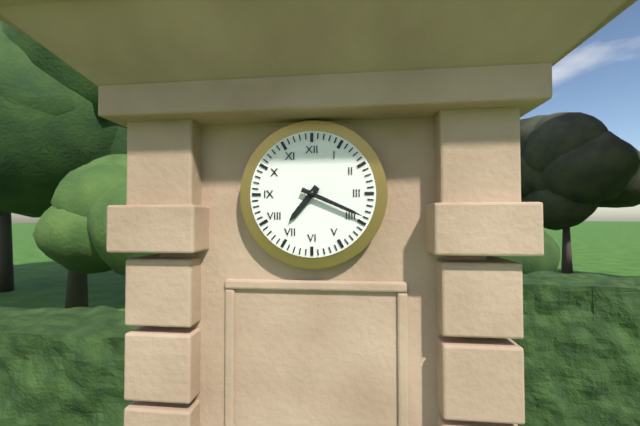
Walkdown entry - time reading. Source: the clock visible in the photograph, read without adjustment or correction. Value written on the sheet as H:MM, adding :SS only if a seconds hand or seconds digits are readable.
7:19
